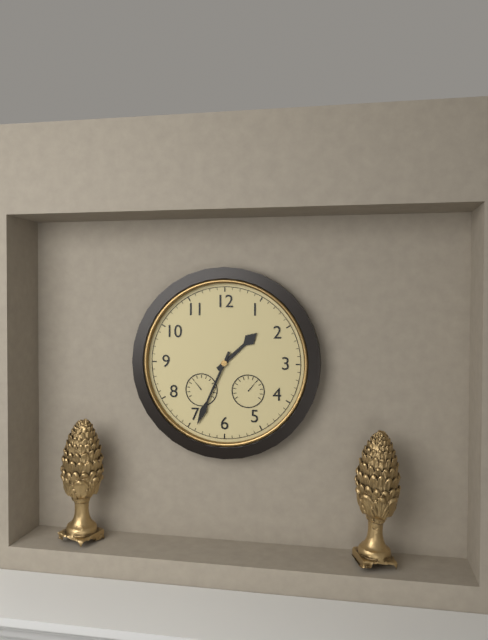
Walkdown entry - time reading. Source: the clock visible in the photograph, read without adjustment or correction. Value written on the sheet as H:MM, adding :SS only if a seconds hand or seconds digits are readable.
1:34
